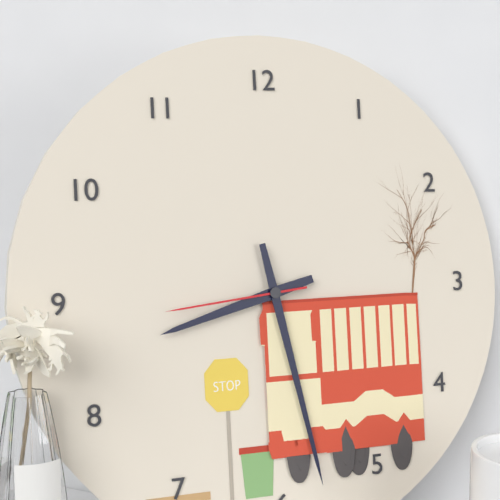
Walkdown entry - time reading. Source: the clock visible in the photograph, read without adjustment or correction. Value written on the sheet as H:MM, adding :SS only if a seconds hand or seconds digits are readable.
8:28:44
